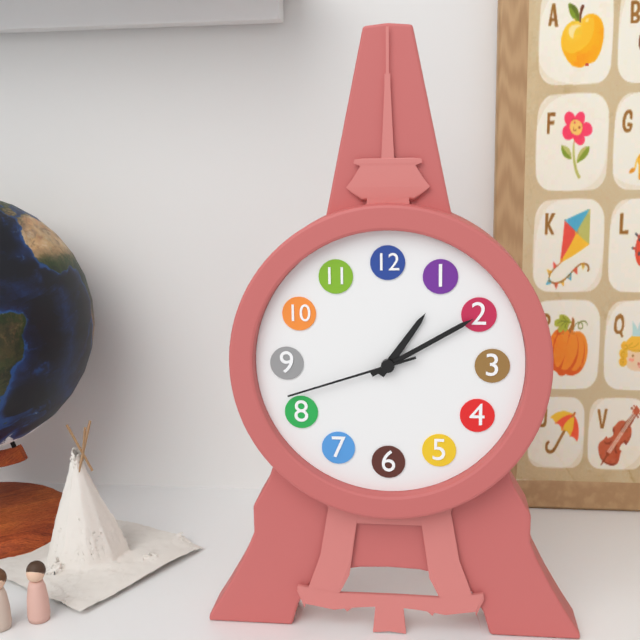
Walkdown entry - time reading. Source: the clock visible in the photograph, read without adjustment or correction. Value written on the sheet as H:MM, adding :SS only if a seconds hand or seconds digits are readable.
1:10:42
